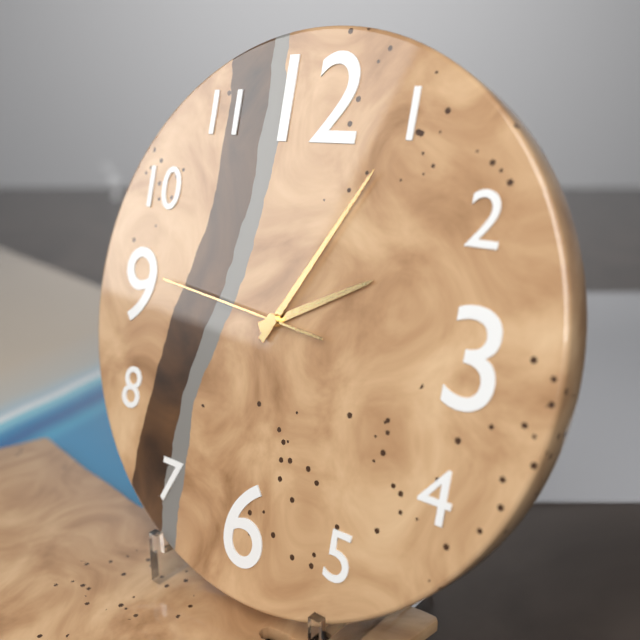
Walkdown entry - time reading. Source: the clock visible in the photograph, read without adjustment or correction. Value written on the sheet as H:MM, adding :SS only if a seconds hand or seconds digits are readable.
2:05:46
